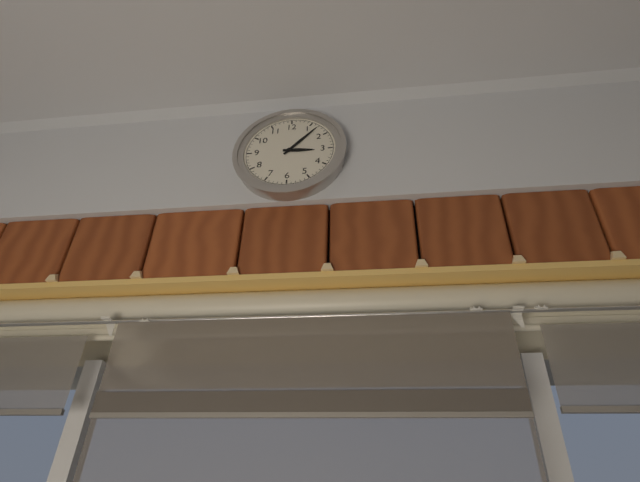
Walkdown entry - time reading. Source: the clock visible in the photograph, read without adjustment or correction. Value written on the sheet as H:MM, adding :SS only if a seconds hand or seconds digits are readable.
3:07
